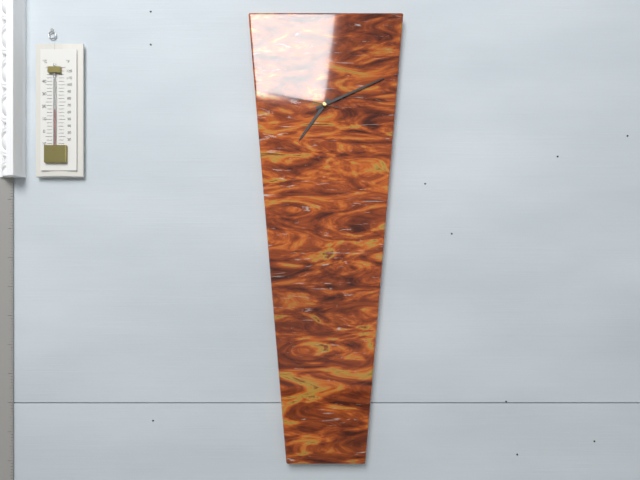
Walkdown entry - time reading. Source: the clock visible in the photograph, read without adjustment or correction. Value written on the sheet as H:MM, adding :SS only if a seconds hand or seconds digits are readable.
7:11:47
